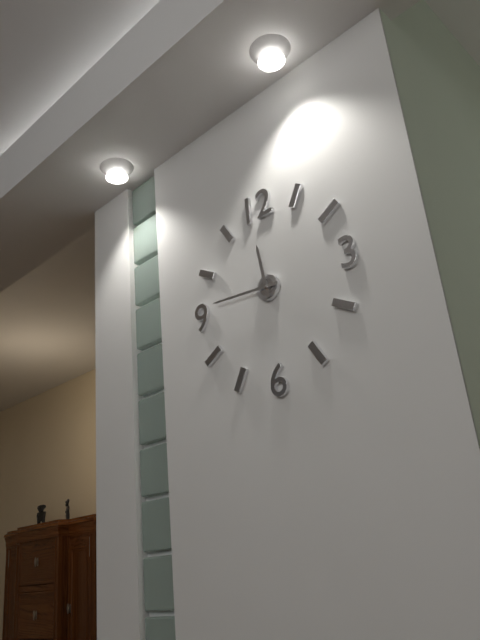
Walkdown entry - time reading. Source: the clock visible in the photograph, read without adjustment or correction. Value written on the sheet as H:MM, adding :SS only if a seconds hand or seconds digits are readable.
11:46
